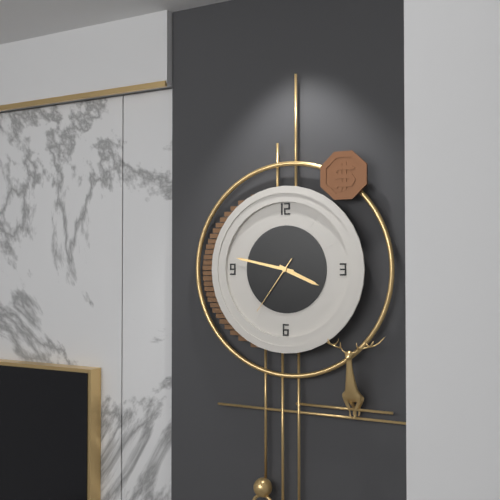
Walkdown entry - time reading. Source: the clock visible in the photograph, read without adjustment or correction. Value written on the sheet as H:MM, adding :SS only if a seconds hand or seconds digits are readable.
3:47:36
